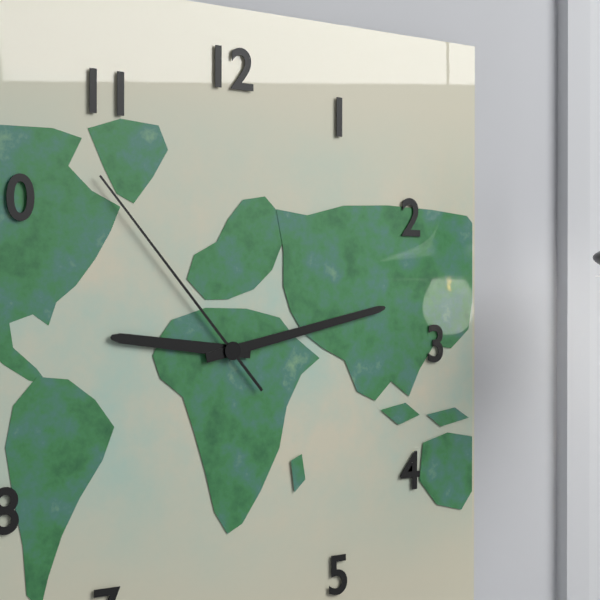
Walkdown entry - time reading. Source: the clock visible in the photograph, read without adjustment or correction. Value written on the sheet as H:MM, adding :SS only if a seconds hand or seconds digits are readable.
9:13:53
